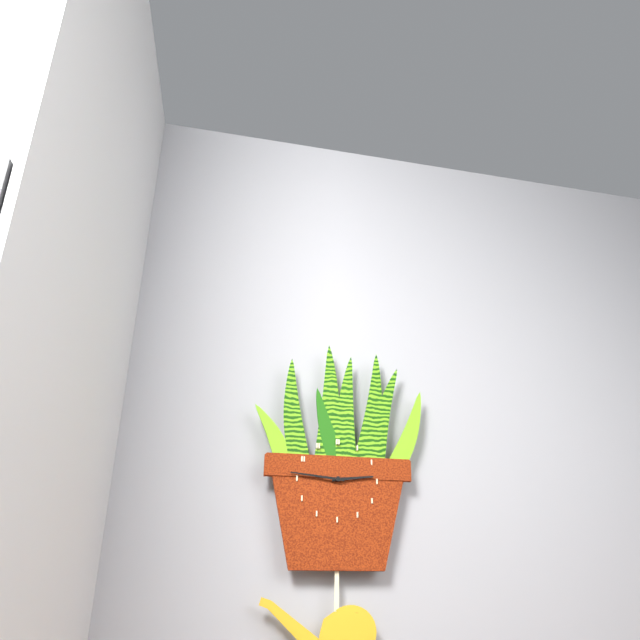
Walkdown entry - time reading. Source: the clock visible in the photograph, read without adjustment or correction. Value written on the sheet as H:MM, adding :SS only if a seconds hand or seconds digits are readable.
2:46
